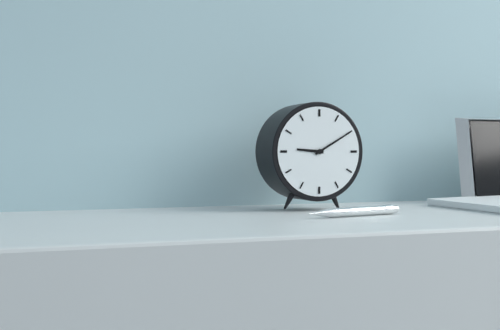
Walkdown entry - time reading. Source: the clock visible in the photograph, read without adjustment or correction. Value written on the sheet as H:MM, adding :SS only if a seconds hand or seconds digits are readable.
9:10
